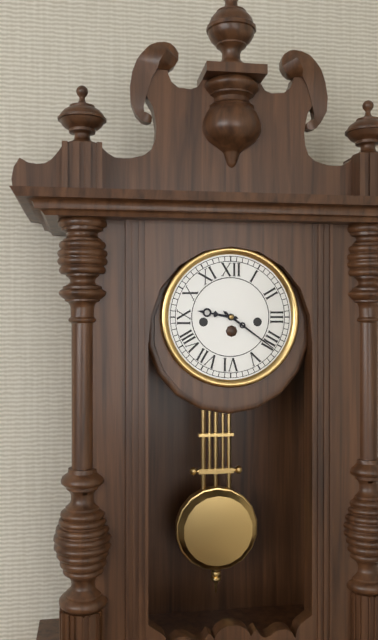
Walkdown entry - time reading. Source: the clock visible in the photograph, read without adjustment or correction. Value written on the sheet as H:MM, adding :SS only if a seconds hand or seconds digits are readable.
9:21
